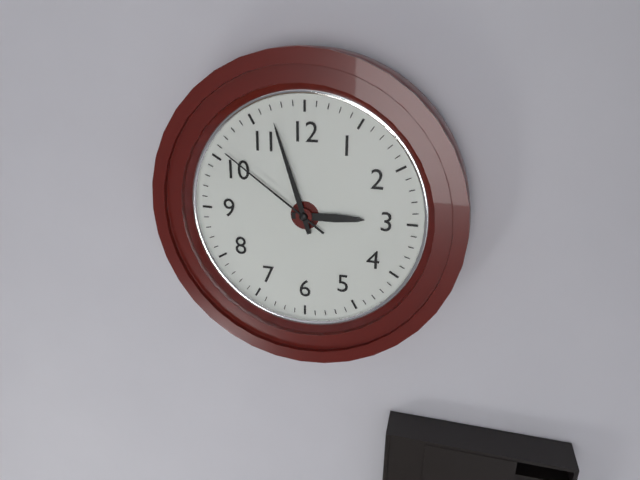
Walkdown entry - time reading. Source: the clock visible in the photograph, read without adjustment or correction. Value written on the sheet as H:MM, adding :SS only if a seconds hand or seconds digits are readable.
2:57:51
